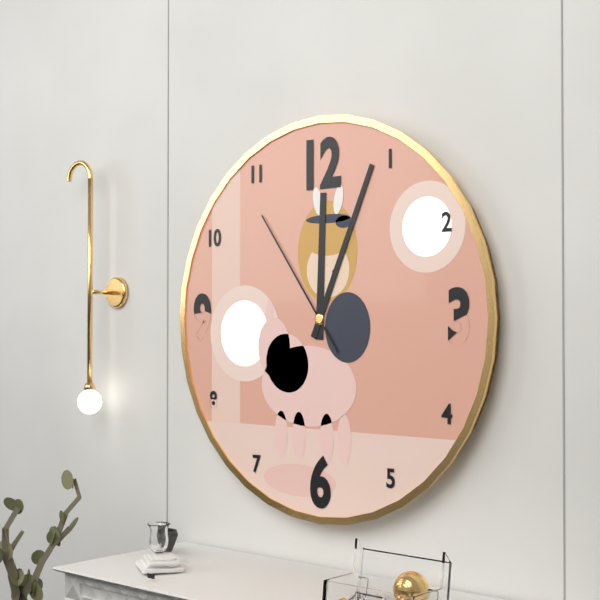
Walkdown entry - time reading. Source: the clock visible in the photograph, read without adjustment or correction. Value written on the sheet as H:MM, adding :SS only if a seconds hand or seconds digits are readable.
12:04:54
